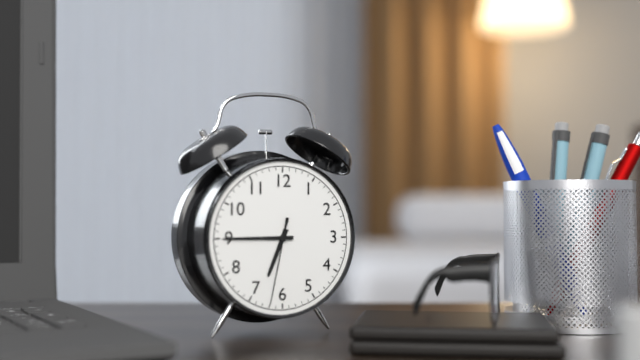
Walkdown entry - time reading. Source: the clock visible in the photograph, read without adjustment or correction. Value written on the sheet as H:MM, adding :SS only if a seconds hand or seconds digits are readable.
6:45:32
